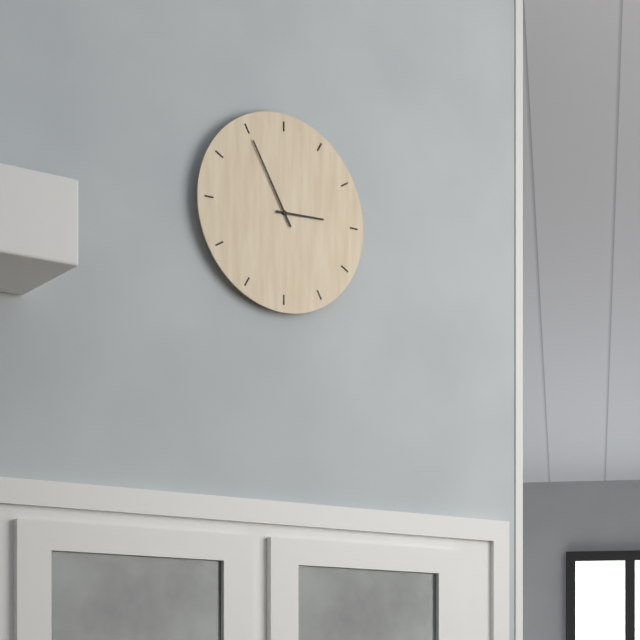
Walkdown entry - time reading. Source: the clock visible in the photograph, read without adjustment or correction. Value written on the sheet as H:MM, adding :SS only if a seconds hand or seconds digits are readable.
2:55
